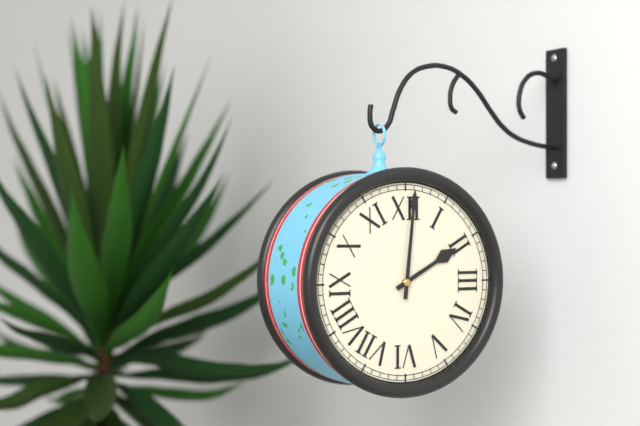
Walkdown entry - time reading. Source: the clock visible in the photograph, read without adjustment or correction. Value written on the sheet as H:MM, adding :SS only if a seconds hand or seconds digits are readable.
2:01
